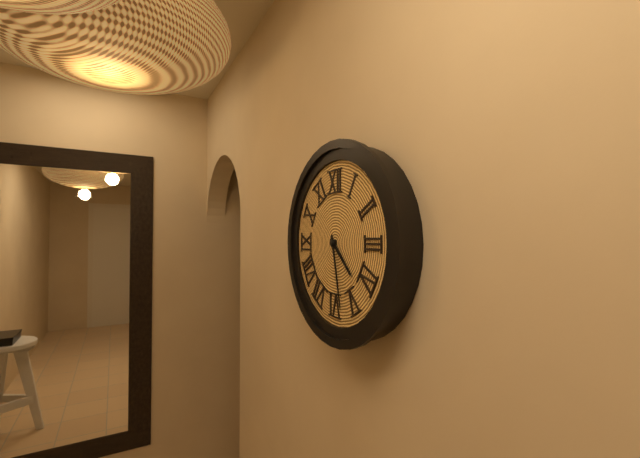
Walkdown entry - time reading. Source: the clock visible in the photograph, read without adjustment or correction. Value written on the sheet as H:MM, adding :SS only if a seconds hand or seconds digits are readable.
4:28
